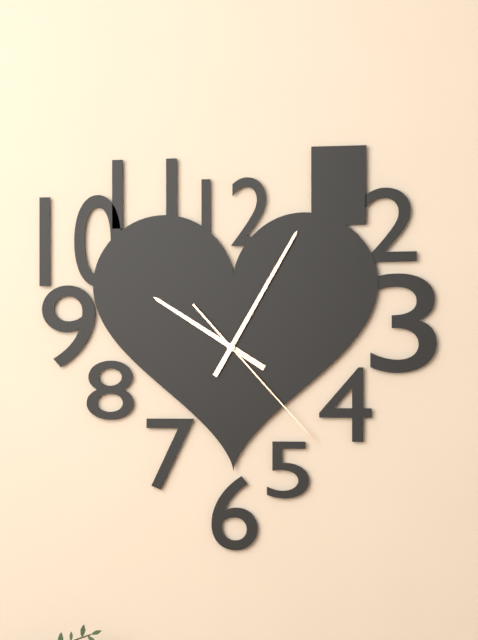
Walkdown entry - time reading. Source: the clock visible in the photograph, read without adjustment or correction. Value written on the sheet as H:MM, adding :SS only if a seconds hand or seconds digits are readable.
10:05:23
